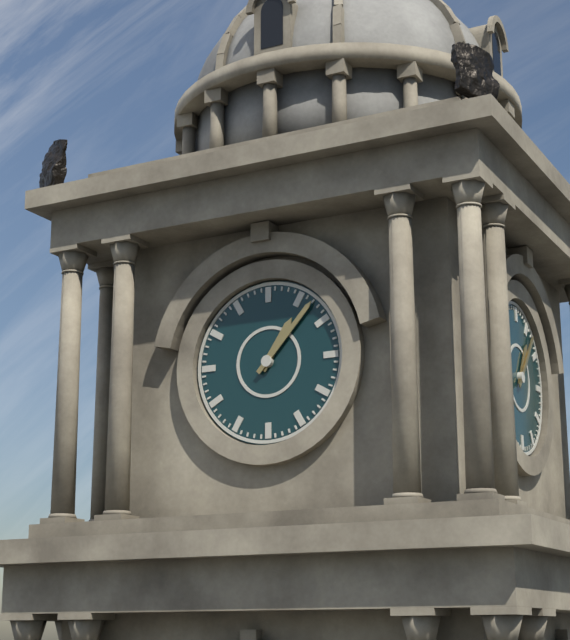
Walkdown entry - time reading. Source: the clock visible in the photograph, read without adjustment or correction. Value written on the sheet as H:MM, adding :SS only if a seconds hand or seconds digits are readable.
1:07
